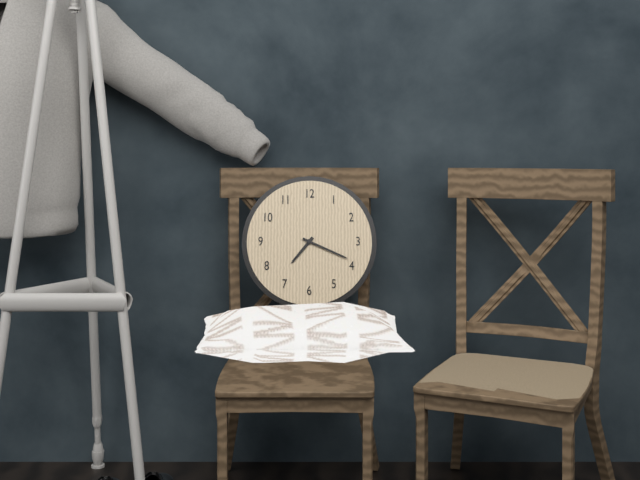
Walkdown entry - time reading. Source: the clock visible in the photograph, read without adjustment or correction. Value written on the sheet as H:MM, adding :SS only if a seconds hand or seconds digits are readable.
7:19
